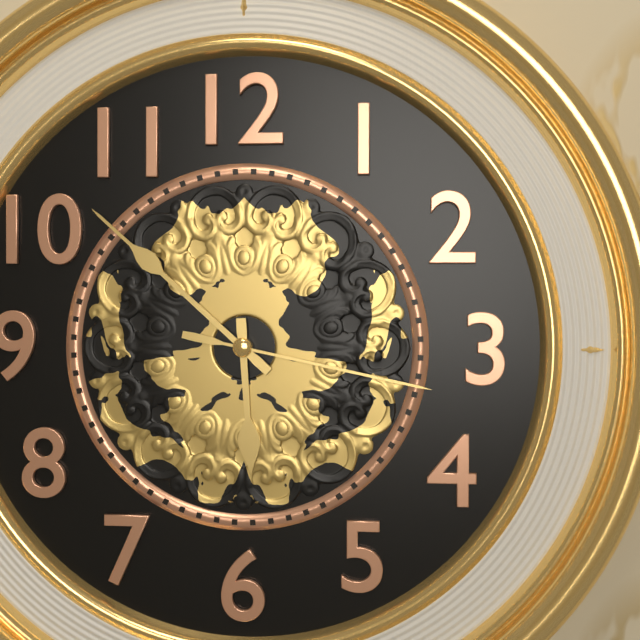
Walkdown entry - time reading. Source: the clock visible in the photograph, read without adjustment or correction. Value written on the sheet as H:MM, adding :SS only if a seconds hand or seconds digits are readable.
5:52:17
